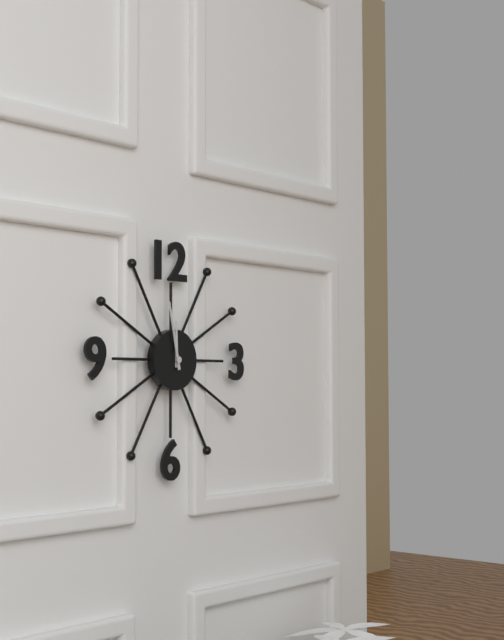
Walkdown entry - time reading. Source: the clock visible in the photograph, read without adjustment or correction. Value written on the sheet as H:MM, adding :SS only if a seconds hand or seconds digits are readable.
11:58
